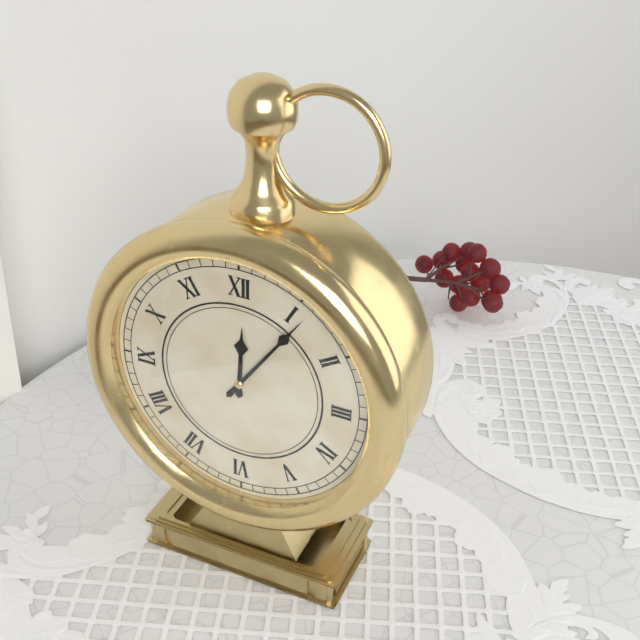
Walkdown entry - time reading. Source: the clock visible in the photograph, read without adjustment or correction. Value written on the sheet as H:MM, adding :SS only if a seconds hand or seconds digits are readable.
12:06
